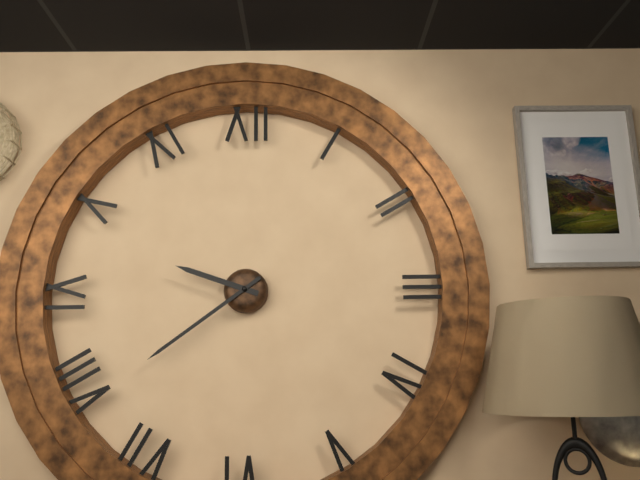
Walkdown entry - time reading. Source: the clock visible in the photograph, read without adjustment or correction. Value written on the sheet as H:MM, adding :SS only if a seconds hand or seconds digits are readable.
9:39
